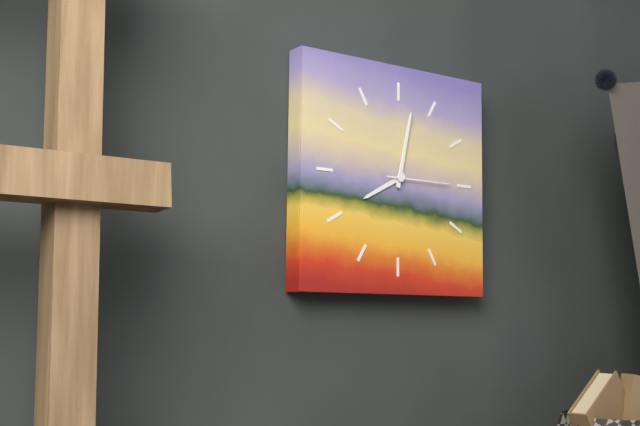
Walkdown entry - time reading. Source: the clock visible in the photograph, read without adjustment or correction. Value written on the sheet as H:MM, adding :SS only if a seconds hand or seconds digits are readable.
8:02:15
